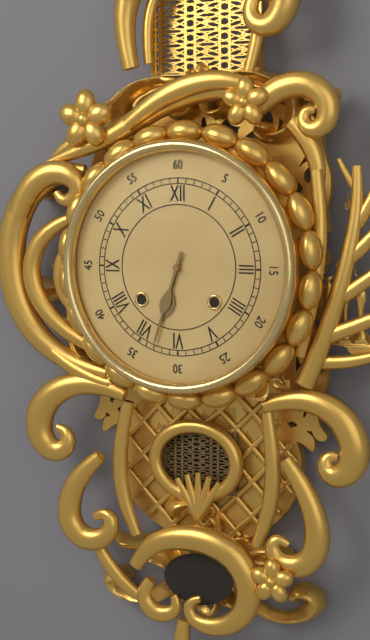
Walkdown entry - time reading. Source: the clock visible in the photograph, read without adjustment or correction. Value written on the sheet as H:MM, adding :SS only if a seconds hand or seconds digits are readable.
6:33
